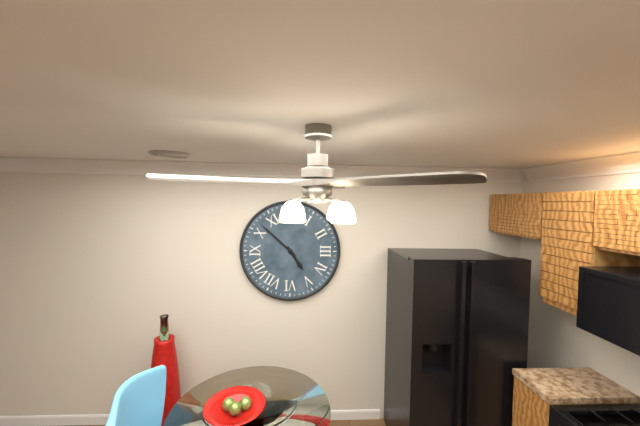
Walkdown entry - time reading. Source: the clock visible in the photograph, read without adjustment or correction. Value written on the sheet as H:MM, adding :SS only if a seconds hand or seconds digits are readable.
4:52
